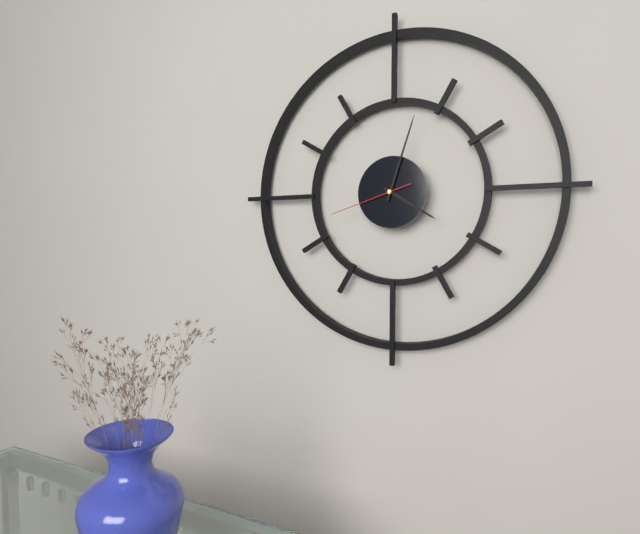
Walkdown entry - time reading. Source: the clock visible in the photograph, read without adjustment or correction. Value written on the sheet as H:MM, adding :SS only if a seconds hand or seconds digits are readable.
4:03:42
